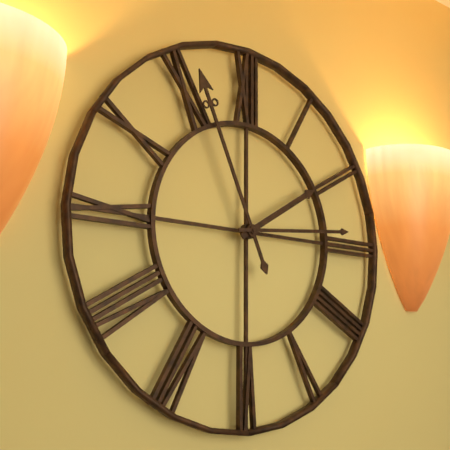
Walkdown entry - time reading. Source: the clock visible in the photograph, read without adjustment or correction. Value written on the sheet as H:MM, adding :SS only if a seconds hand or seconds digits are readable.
1:56:14
